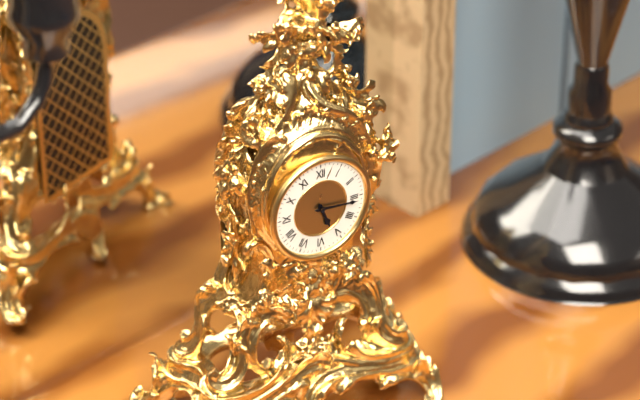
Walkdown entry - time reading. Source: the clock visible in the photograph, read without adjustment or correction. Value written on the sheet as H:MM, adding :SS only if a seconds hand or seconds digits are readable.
5:16
